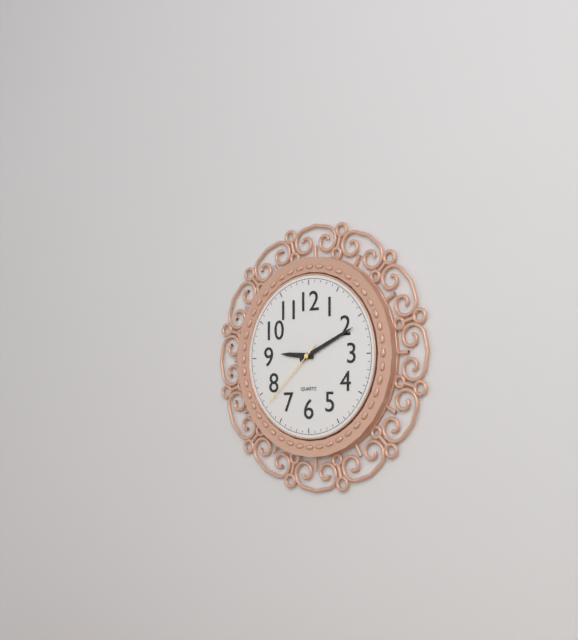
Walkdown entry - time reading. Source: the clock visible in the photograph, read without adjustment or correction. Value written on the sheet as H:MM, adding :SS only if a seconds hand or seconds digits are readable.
9:11:38
